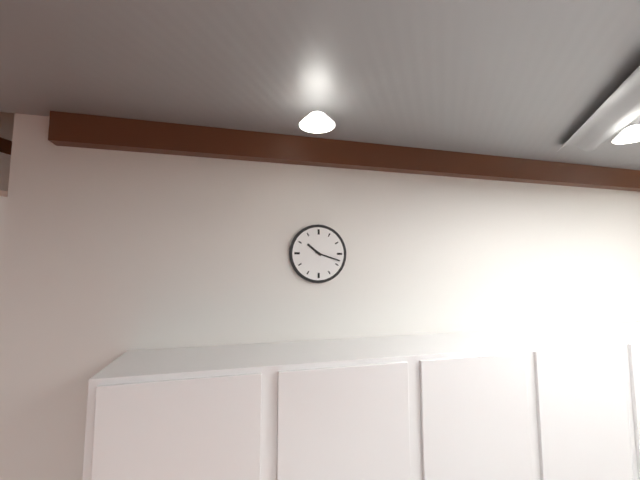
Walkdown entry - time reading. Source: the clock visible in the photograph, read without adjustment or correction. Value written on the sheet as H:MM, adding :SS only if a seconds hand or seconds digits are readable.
10:18
